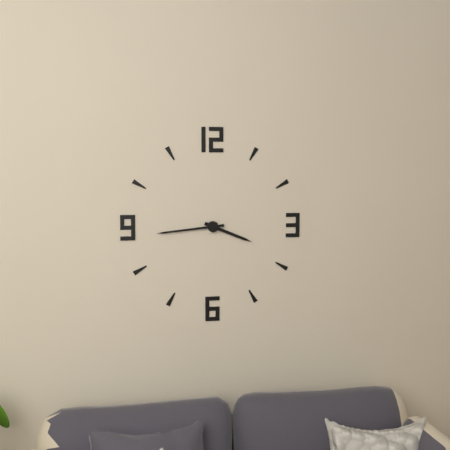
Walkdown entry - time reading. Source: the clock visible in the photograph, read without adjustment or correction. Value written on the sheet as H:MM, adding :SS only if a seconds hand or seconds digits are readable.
3:44
